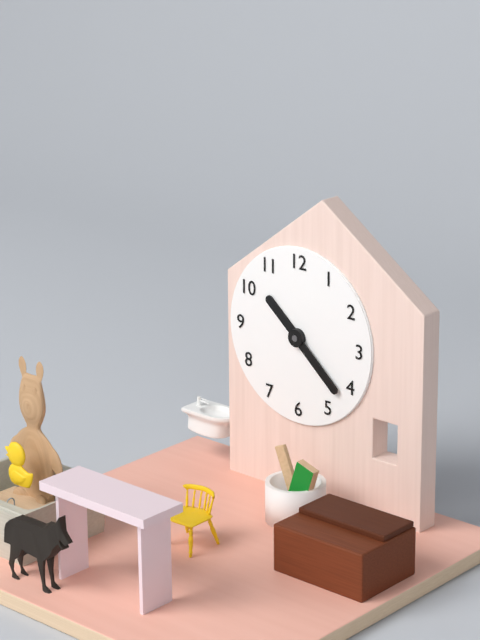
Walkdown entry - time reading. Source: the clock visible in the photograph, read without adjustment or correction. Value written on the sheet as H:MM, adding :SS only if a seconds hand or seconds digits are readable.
10:22
